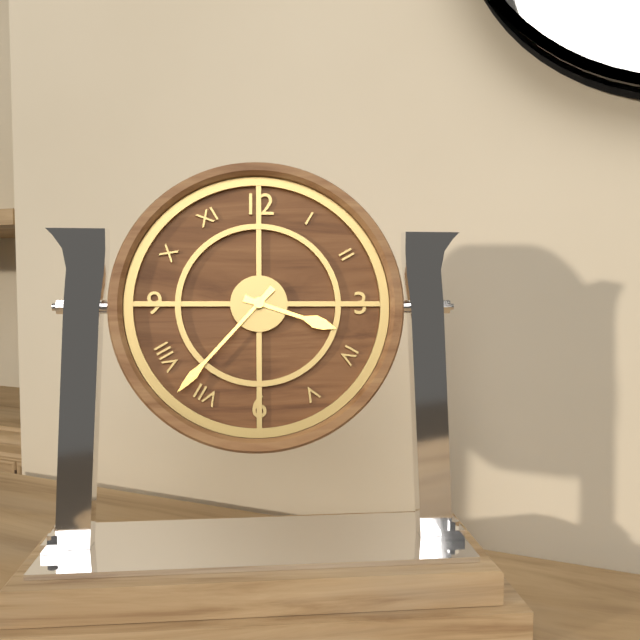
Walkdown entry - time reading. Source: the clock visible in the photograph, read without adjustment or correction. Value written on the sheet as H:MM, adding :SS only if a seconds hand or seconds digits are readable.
3:37
